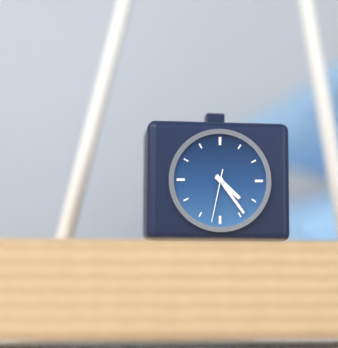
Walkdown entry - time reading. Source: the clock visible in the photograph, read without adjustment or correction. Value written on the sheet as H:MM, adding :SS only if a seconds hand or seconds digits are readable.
4:24:32
